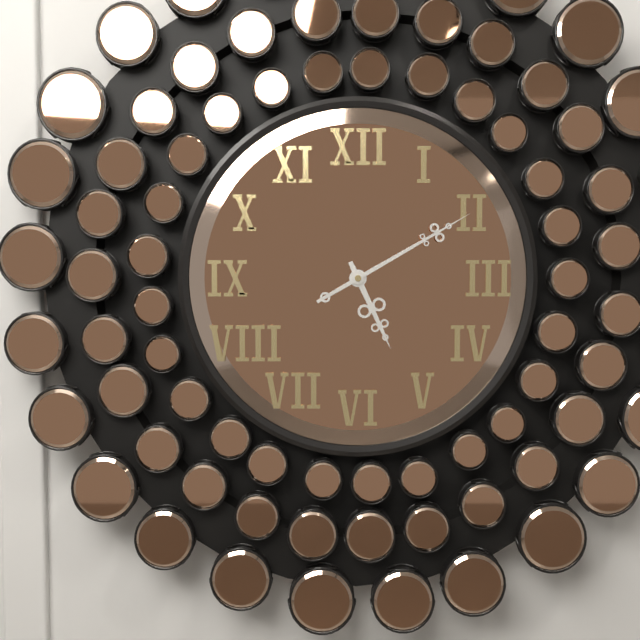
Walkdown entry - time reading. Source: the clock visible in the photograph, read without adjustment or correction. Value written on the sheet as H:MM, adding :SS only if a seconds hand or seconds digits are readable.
5:10
